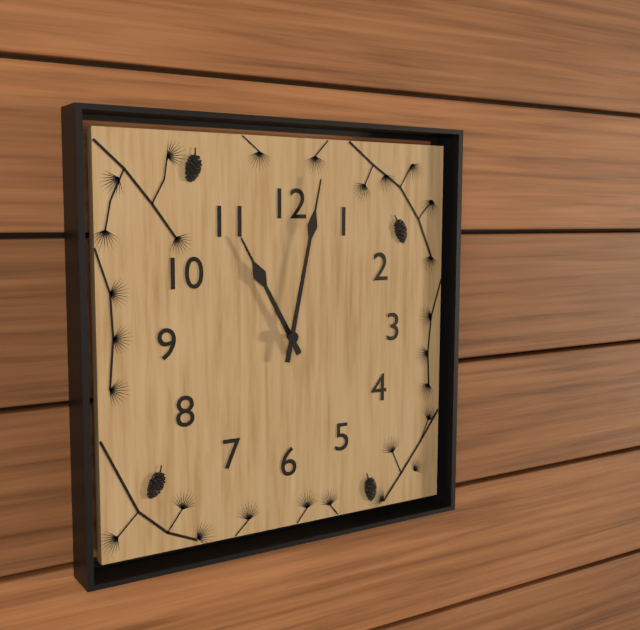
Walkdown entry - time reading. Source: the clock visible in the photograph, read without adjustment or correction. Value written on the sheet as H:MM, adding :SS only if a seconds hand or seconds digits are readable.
11:02
